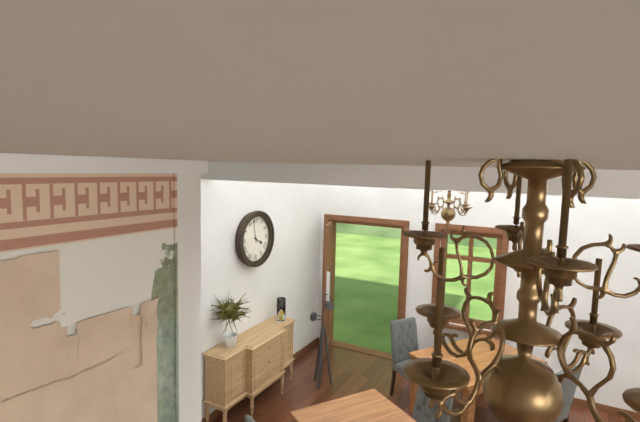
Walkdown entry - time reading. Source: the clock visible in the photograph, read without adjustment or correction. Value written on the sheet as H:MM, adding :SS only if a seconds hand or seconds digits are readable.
3:58
